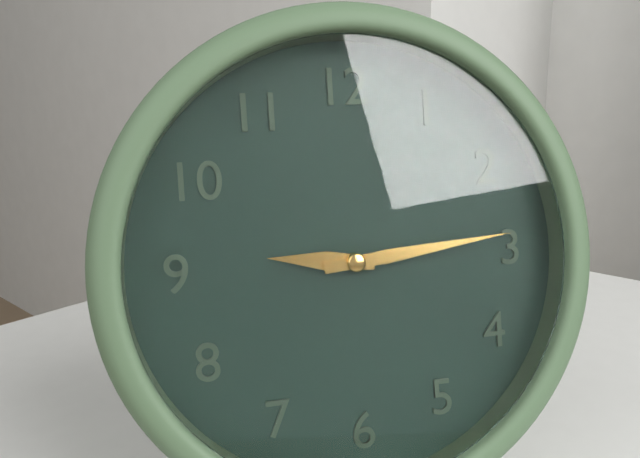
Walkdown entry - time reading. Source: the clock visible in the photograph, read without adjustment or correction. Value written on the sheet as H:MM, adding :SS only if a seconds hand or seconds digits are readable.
9:14
